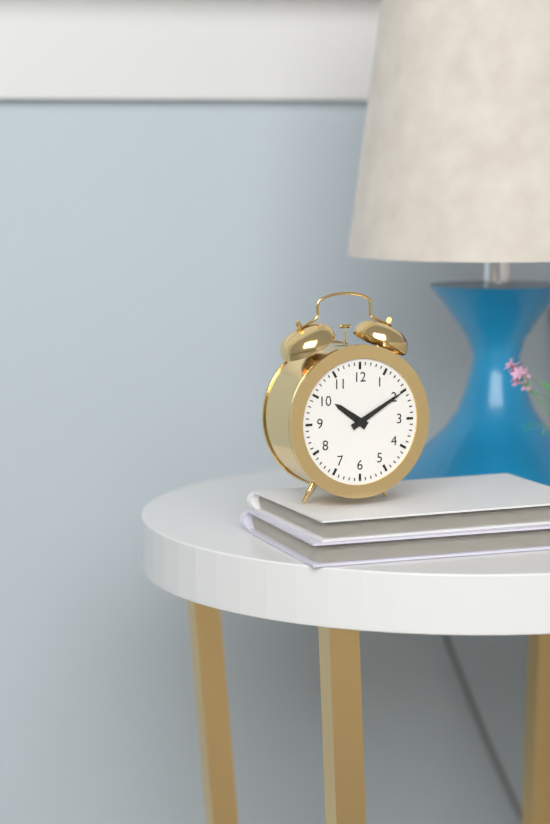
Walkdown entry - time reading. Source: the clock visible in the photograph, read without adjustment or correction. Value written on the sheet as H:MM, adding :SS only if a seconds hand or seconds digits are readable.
10:10
